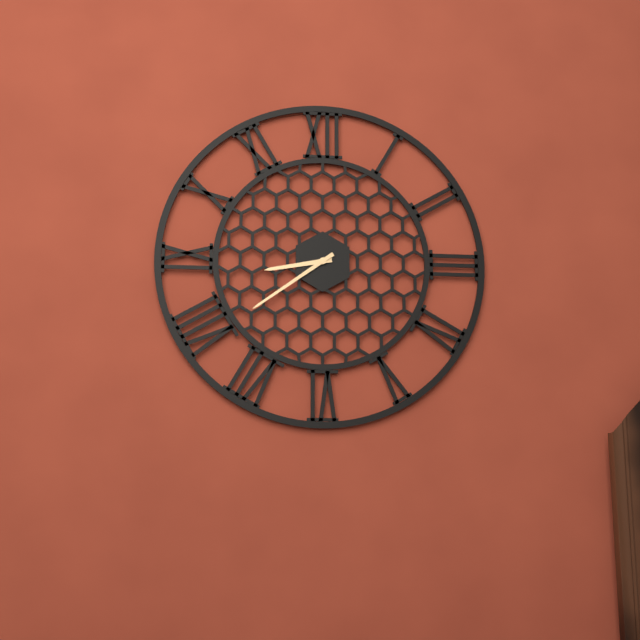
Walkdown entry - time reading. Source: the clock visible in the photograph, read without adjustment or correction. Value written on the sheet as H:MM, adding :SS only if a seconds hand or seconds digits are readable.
8:39
